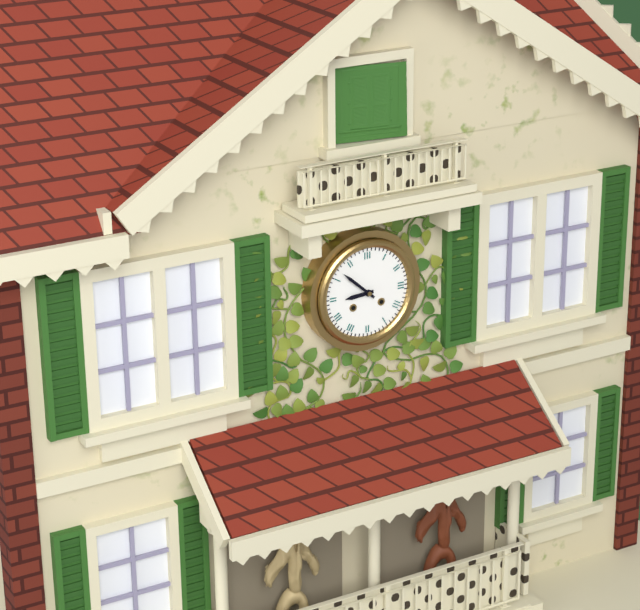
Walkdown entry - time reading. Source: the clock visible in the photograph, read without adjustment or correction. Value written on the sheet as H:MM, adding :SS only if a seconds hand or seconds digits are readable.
8:52
